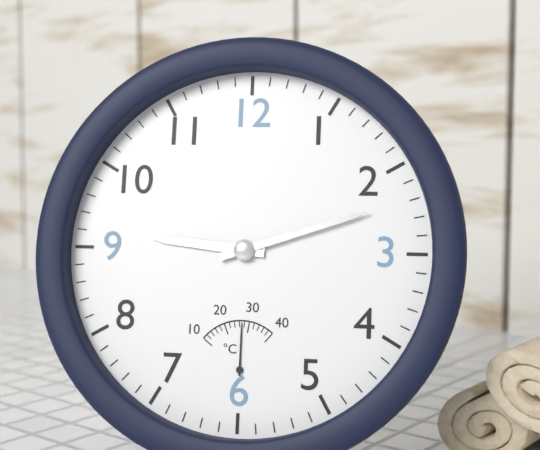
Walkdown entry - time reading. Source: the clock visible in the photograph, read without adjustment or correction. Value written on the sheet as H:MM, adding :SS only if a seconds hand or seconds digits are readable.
9:12
